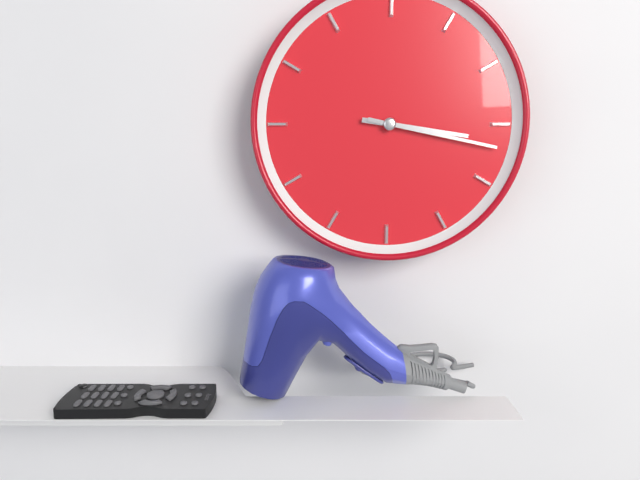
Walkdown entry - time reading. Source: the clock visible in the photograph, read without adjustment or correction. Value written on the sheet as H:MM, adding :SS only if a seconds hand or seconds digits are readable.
3:17
